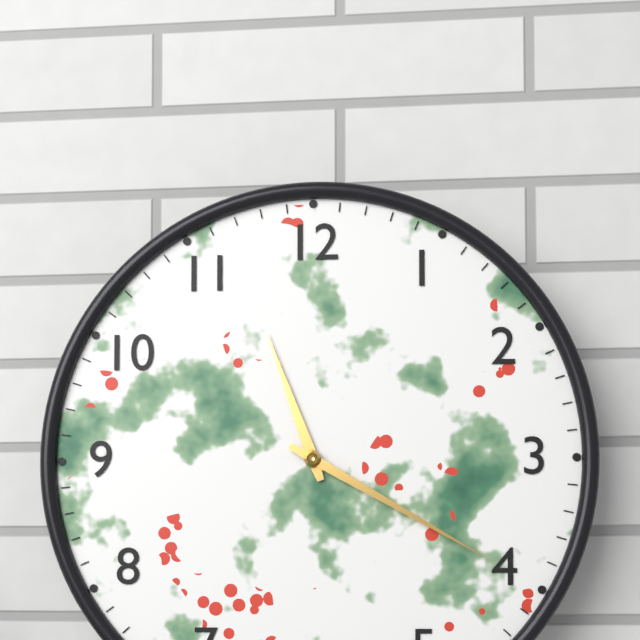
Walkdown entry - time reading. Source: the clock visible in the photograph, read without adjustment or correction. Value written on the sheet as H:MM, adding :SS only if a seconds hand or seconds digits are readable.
11:20
